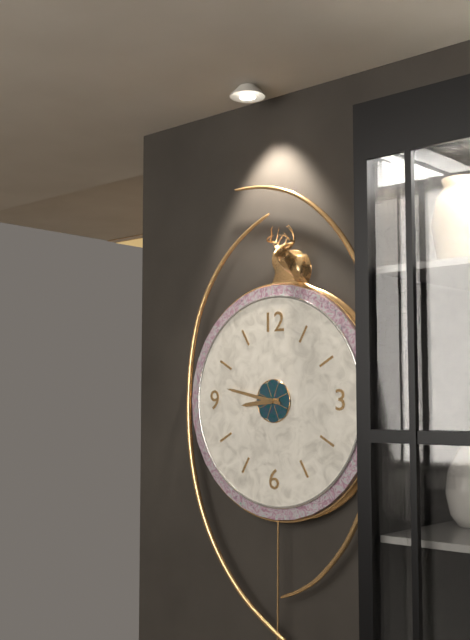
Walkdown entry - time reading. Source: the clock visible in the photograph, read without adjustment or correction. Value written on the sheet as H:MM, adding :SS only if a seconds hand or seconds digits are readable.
8:47
